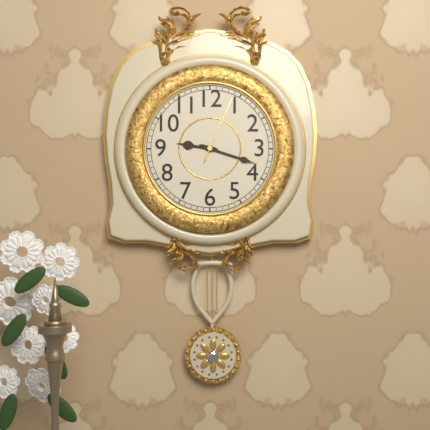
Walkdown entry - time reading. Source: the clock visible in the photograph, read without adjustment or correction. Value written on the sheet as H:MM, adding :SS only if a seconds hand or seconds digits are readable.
9:18:04
